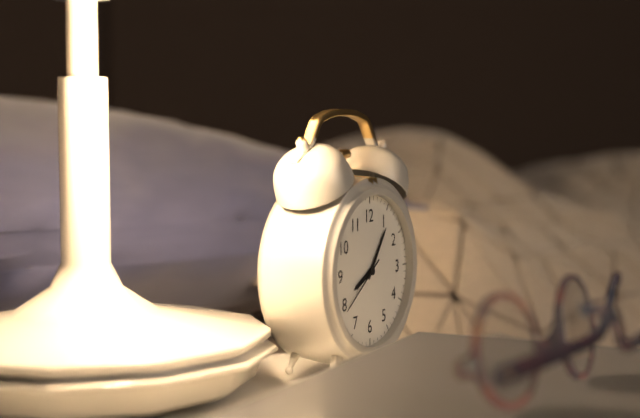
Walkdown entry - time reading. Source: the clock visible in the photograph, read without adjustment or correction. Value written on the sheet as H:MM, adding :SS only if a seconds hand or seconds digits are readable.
8:06:39
